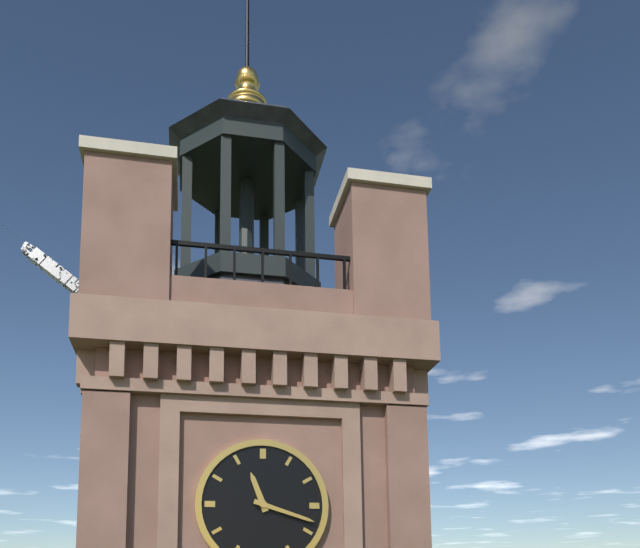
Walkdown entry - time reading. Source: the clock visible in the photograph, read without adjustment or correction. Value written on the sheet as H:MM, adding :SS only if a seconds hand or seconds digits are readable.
11:18
